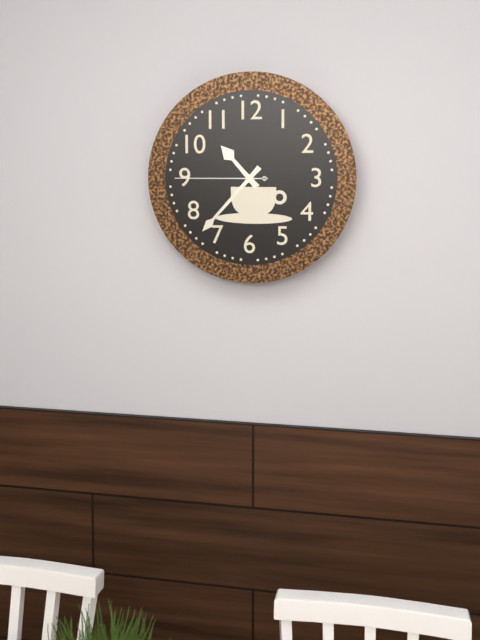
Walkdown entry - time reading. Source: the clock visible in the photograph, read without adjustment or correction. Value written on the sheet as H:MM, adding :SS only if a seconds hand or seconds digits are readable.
10:37:45
